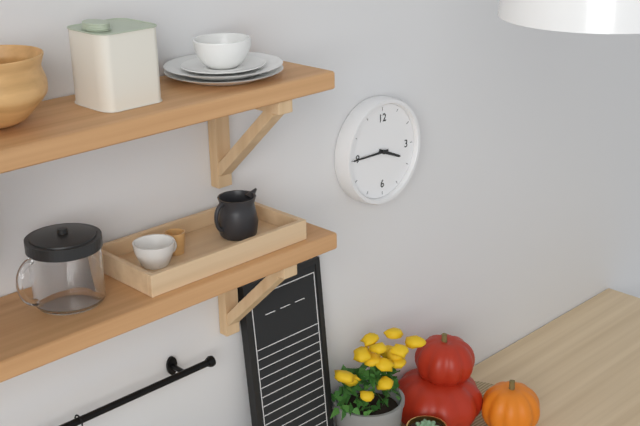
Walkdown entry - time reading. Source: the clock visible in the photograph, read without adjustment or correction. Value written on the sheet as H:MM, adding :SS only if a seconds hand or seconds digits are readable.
3:45
